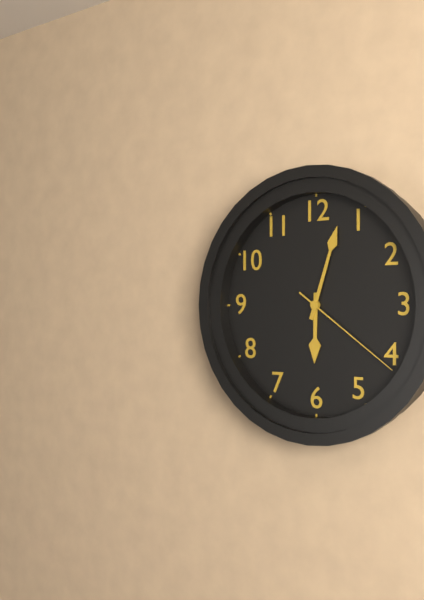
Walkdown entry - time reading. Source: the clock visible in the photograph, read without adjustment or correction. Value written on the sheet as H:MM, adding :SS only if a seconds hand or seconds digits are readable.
6:03:21
